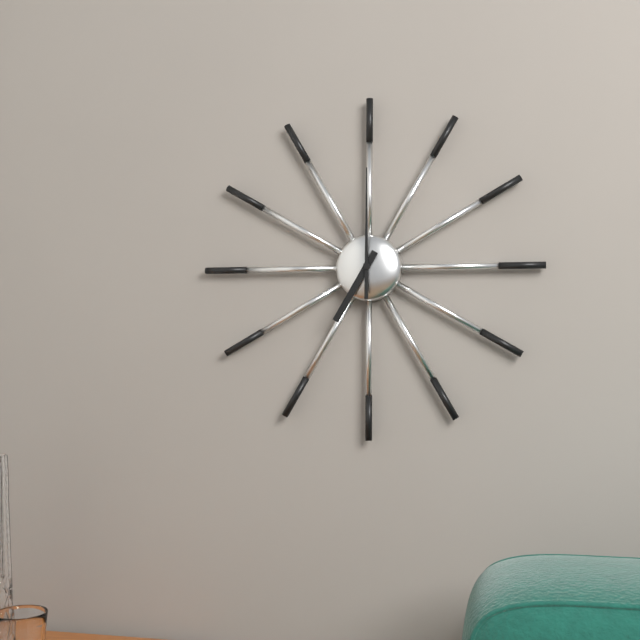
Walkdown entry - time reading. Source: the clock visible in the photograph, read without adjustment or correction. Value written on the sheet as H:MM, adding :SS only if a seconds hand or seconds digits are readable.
7:00
